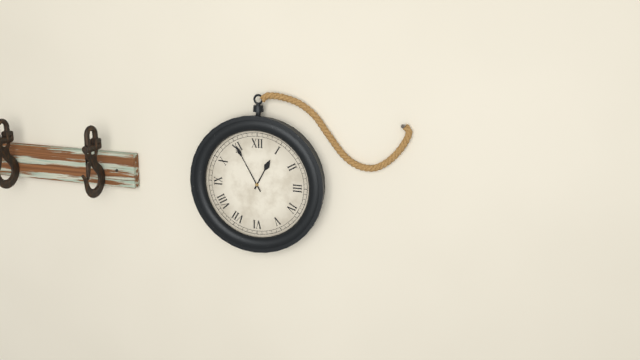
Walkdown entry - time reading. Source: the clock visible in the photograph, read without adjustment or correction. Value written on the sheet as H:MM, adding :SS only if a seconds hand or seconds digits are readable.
12:55
